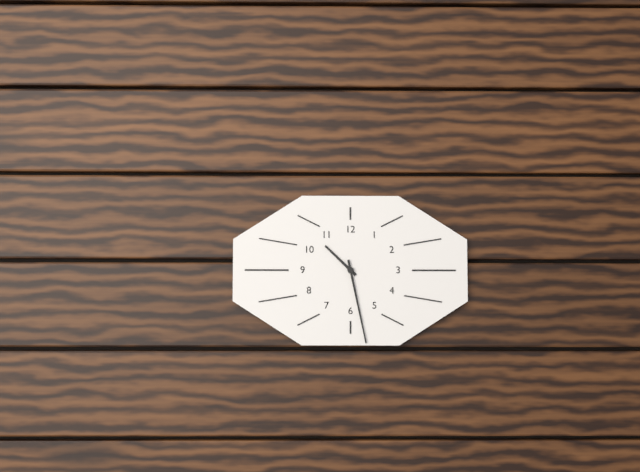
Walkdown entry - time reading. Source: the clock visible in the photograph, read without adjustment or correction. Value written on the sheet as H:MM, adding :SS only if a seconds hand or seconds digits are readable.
10:28
